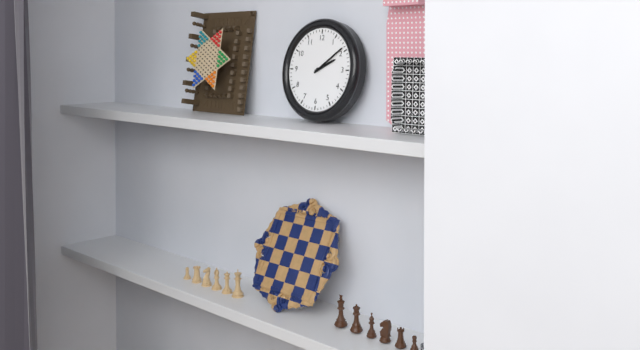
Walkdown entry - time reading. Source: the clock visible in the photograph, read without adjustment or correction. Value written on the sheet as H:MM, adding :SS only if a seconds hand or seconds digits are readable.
2:09
